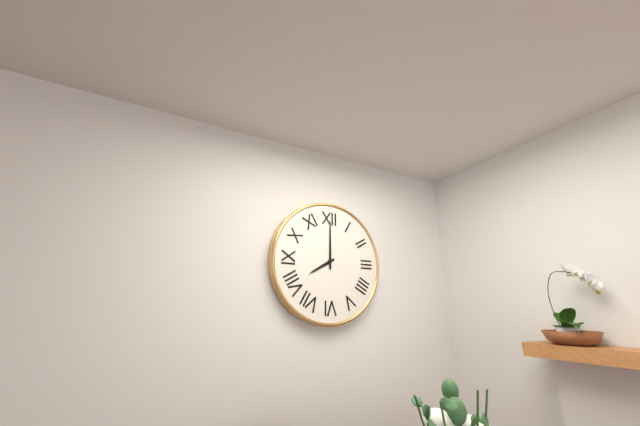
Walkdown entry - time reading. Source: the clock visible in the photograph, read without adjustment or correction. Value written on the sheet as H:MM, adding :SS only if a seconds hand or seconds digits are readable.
8:00
